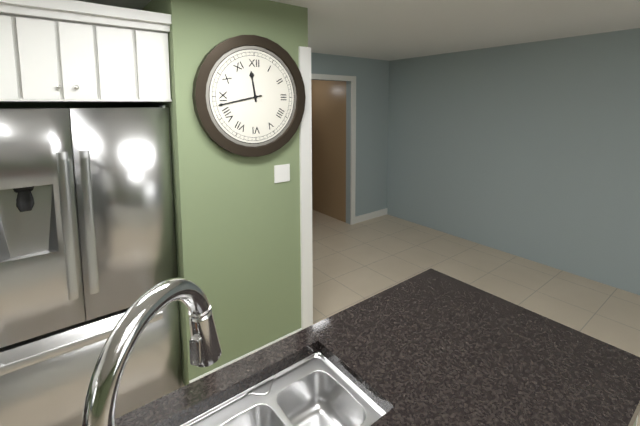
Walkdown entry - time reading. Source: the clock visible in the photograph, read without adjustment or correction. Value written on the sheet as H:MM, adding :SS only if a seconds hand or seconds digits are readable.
11:43
